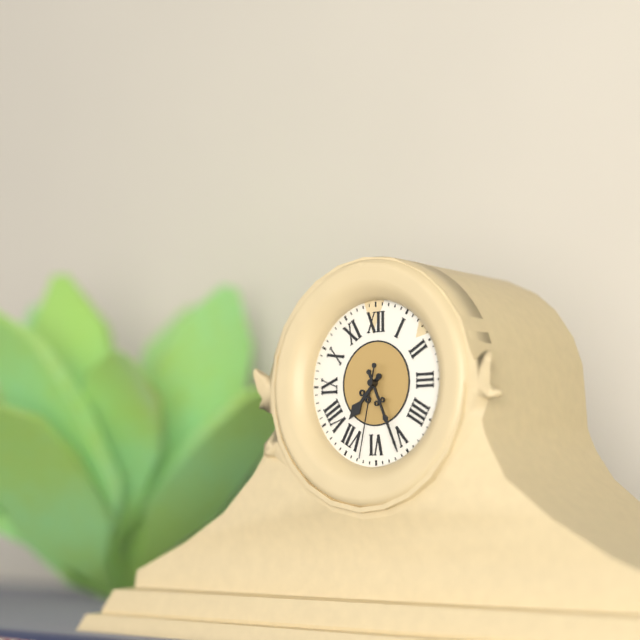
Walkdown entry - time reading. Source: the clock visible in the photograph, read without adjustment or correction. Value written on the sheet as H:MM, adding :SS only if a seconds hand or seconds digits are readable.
7:26:32
